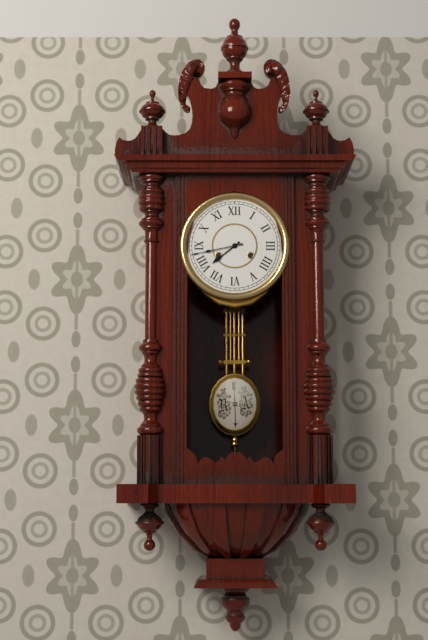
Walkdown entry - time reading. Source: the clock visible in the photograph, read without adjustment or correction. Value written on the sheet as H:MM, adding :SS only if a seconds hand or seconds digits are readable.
7:43
